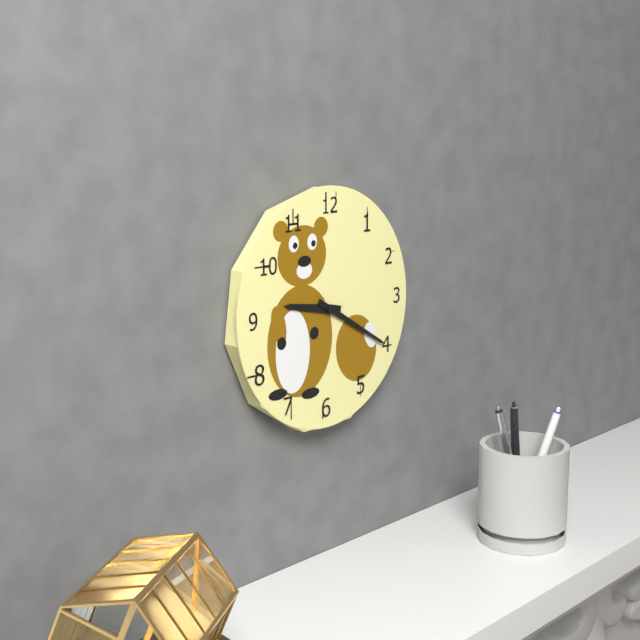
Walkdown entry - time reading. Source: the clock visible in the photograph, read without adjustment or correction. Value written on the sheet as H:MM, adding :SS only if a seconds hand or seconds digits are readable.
9:20
